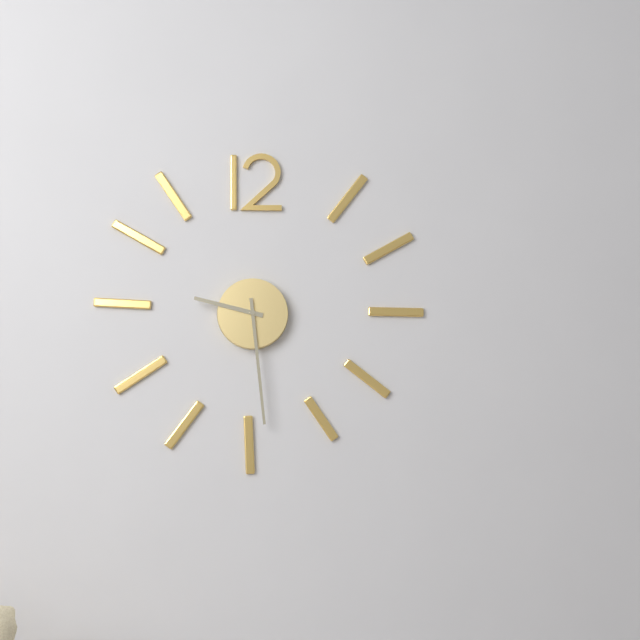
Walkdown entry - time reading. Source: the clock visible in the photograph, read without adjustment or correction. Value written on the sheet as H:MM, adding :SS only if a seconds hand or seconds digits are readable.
9:29
